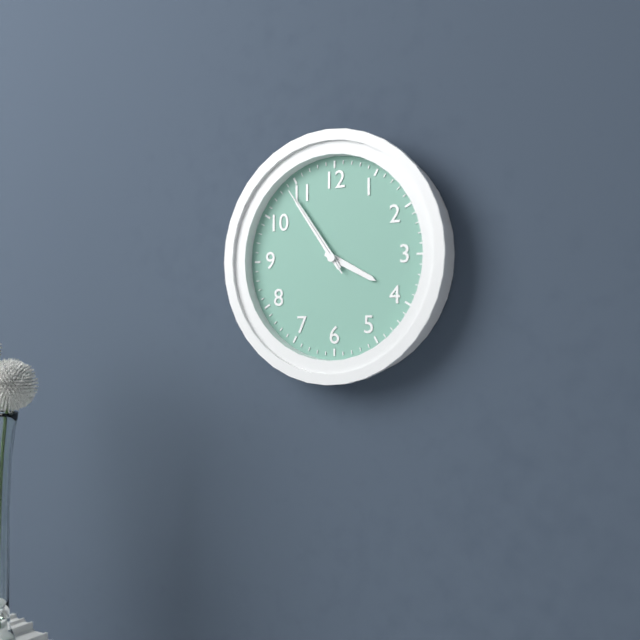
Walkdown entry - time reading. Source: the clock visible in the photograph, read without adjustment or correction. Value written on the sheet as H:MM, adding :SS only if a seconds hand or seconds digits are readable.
3:54:54
